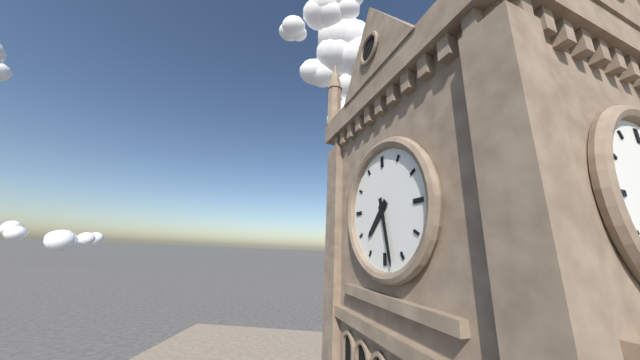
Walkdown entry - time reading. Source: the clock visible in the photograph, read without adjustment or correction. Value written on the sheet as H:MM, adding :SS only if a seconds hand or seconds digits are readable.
7:28
